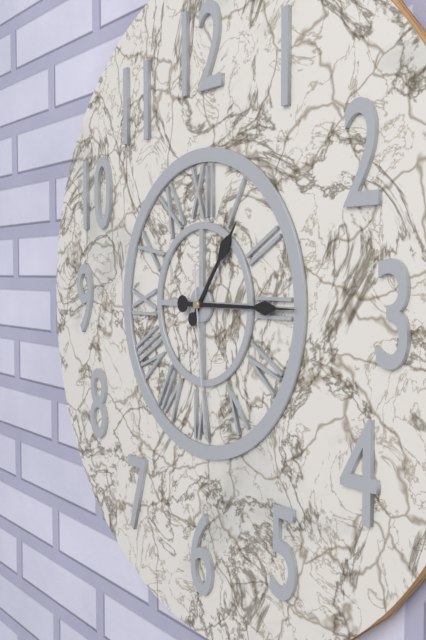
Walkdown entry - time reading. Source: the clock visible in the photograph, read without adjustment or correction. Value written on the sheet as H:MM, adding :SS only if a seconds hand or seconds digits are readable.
1:15:29
